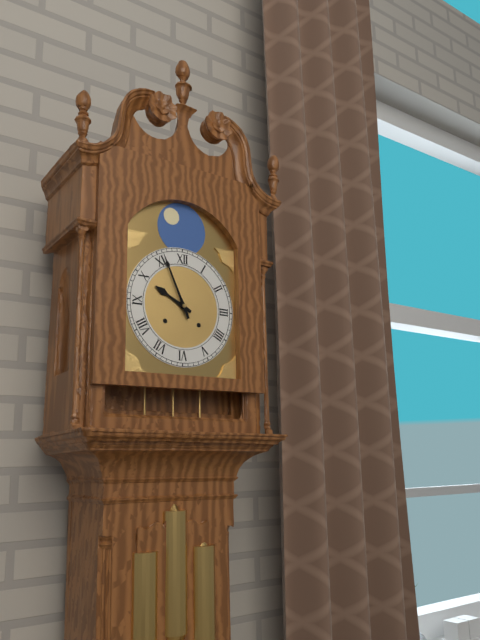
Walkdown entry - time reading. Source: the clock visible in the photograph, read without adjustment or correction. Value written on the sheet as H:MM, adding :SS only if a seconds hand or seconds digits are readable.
9:56
